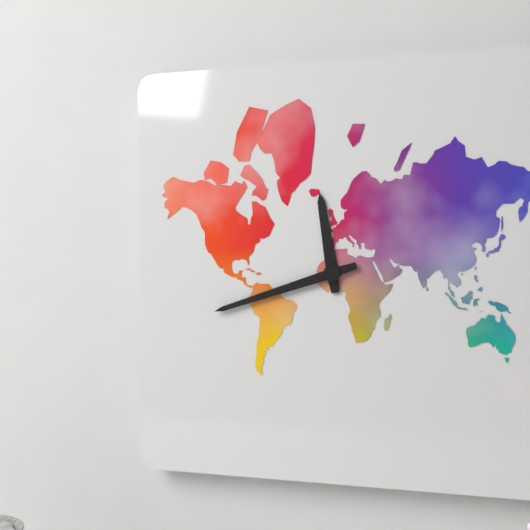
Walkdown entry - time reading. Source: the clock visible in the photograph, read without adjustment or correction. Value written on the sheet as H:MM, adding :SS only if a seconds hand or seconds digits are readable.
11:42
